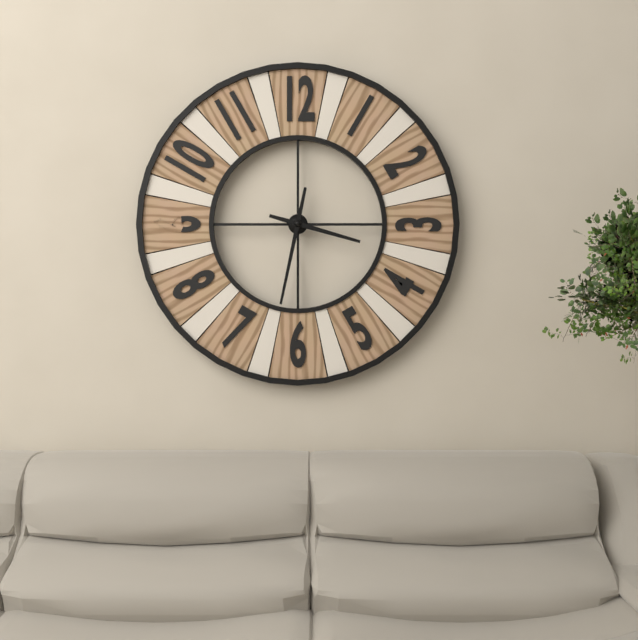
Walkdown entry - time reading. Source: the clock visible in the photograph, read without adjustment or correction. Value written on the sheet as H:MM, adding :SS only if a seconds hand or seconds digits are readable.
3:32
